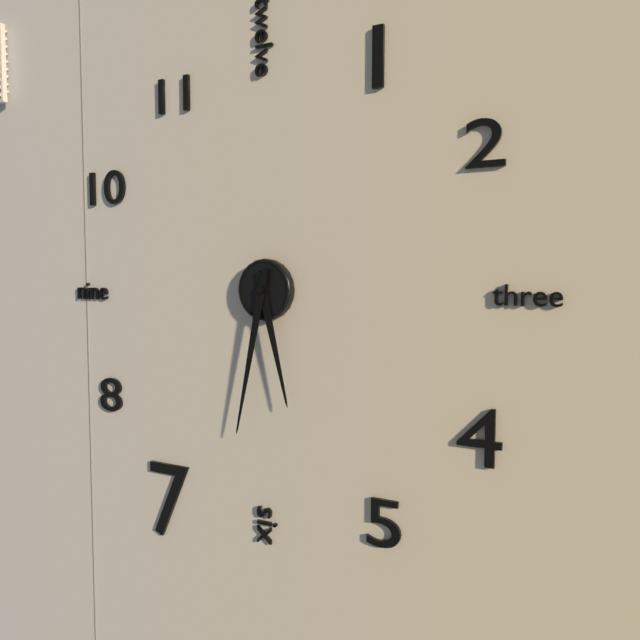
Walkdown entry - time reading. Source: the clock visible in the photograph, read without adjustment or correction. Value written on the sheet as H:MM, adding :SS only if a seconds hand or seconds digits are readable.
5:32
